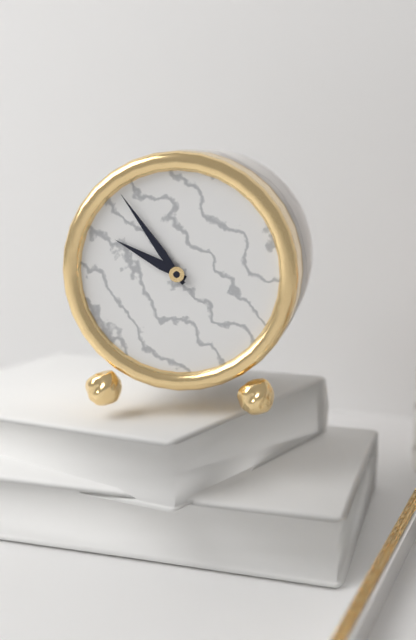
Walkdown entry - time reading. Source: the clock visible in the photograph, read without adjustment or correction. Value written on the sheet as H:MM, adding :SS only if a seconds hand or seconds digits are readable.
9:54
